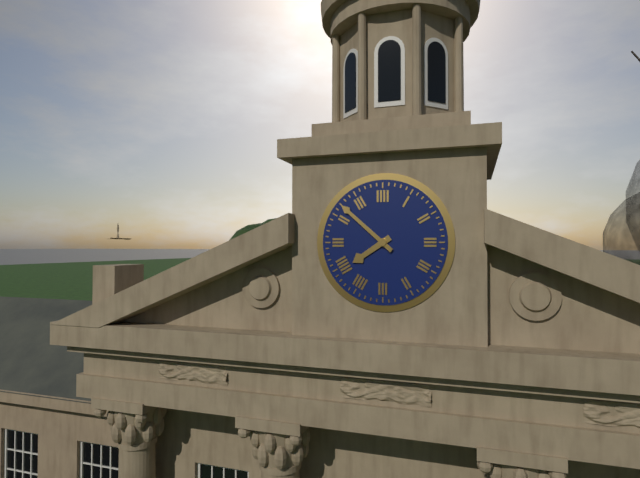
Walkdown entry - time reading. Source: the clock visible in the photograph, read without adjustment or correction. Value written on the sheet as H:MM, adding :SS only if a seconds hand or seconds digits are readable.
7:52
